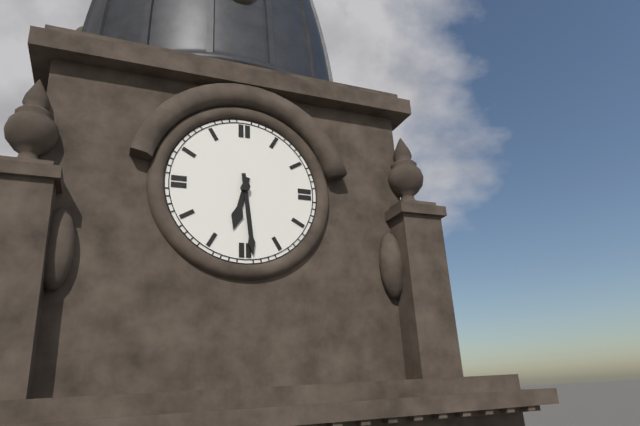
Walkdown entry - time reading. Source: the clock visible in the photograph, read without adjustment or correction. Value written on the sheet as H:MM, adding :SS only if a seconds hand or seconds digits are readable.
6:29
